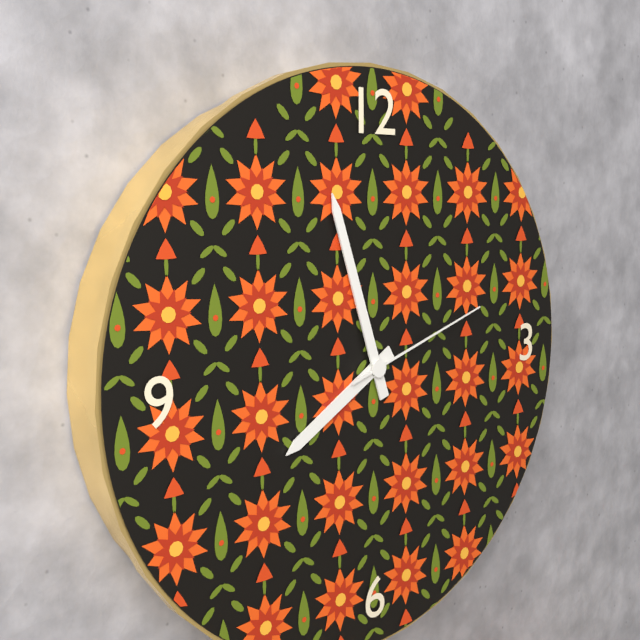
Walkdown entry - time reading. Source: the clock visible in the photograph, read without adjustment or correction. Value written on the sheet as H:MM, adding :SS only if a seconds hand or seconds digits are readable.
7:57:12
